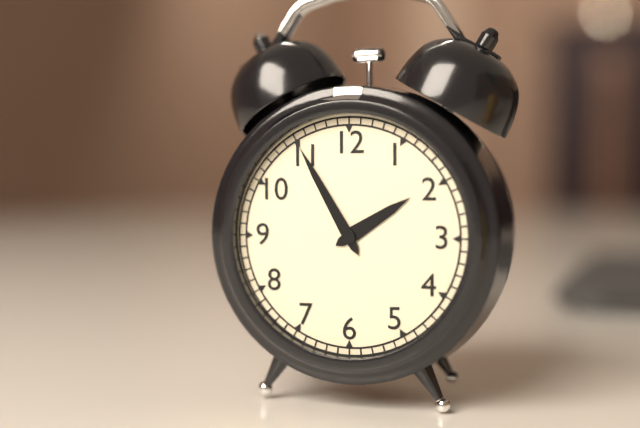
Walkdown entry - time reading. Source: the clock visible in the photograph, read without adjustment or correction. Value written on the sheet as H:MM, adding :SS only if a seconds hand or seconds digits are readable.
1:55
